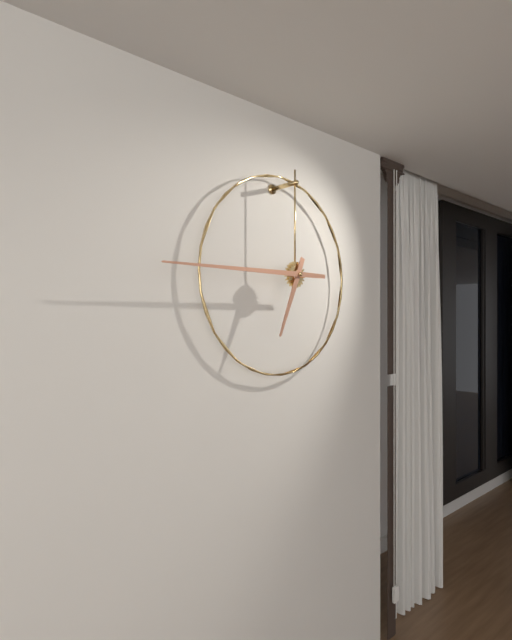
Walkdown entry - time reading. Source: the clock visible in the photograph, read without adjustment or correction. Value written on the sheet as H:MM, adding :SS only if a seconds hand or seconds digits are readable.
6:45
